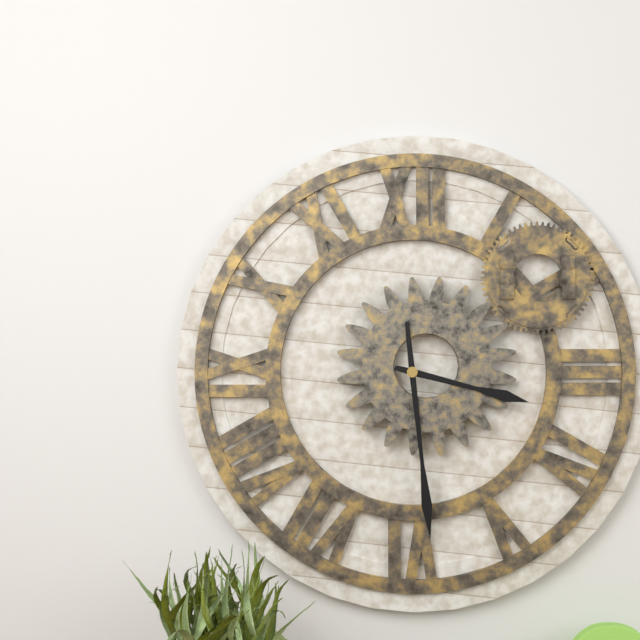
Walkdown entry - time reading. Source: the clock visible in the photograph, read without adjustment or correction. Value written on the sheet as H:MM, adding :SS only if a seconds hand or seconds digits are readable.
3:29
